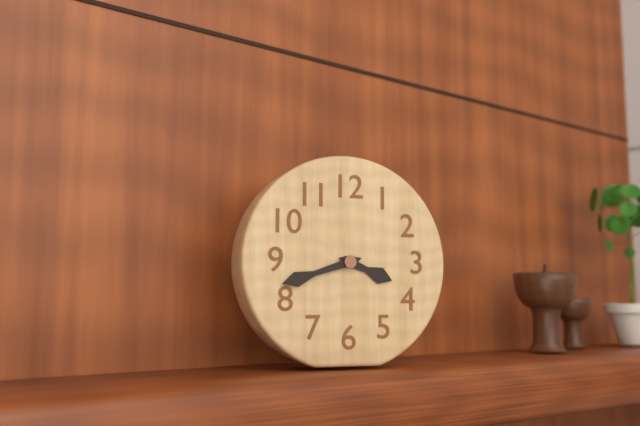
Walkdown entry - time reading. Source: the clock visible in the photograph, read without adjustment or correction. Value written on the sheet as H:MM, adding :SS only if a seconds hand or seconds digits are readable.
3:42
